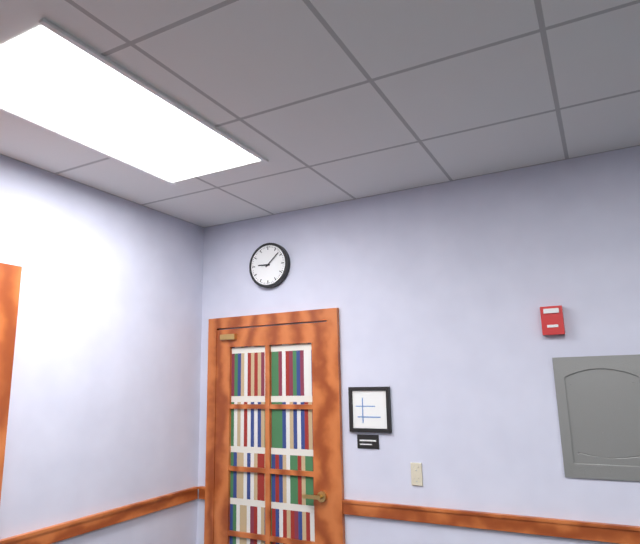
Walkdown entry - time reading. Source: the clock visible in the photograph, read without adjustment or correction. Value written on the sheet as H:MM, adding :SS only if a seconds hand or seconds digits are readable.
9:08
